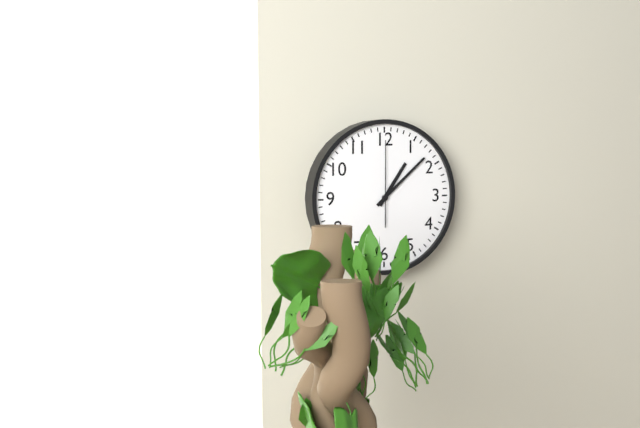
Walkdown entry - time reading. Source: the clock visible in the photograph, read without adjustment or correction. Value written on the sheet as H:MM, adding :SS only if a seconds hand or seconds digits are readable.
1:08:00
